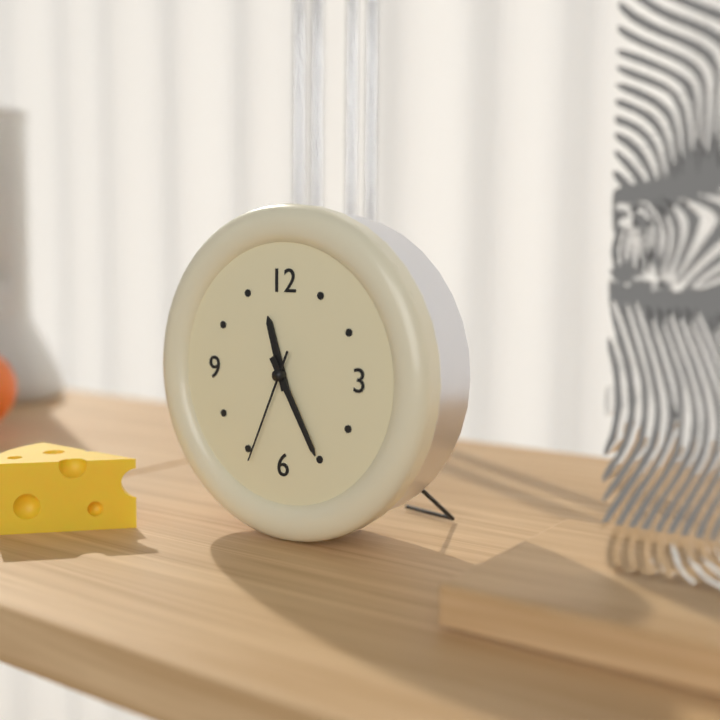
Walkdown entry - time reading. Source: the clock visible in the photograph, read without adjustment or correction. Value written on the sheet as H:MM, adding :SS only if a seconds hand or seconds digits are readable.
11:25:34
